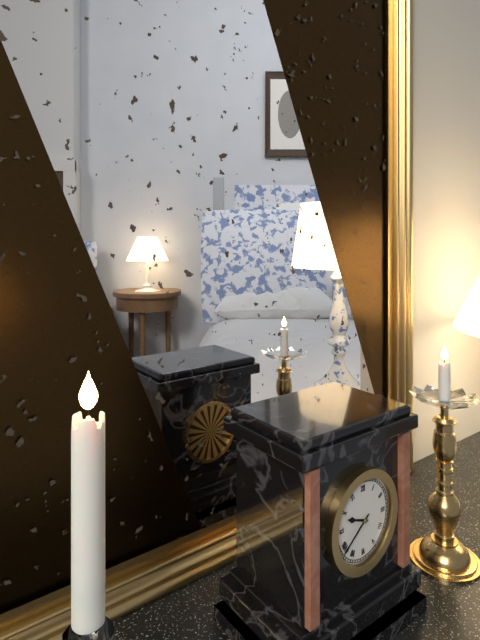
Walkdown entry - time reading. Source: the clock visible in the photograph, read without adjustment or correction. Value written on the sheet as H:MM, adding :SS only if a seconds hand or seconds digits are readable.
9:39
